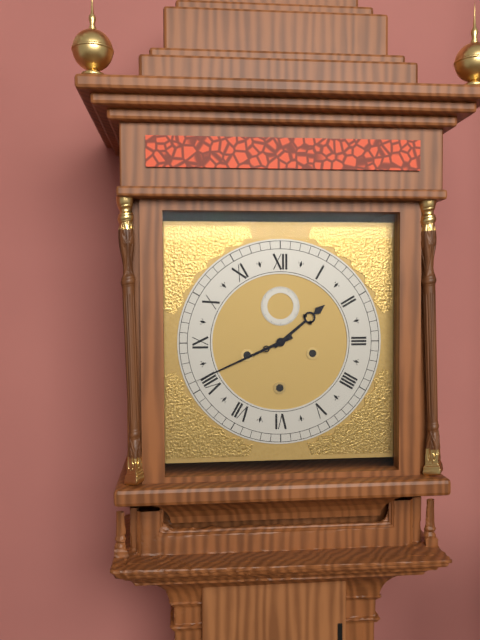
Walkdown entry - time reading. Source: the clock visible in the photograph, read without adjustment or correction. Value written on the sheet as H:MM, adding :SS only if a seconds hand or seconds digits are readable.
1:41
